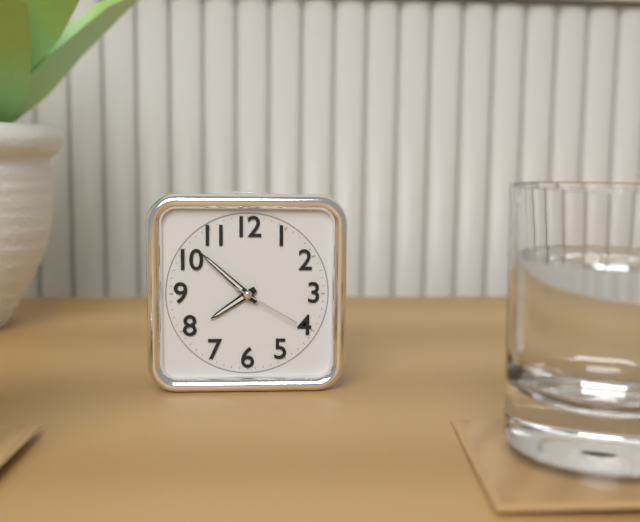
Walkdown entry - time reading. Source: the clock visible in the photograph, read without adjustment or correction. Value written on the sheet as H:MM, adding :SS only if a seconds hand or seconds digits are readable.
7:52:20
